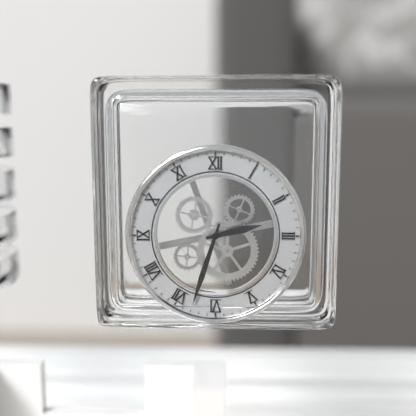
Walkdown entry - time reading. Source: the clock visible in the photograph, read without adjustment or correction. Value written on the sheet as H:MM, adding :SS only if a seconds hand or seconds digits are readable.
2:33
